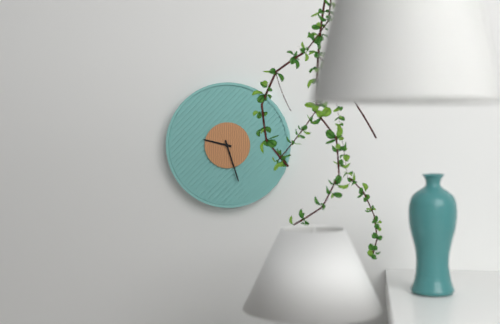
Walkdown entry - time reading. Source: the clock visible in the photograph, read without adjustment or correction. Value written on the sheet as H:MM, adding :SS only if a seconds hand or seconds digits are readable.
9:27
